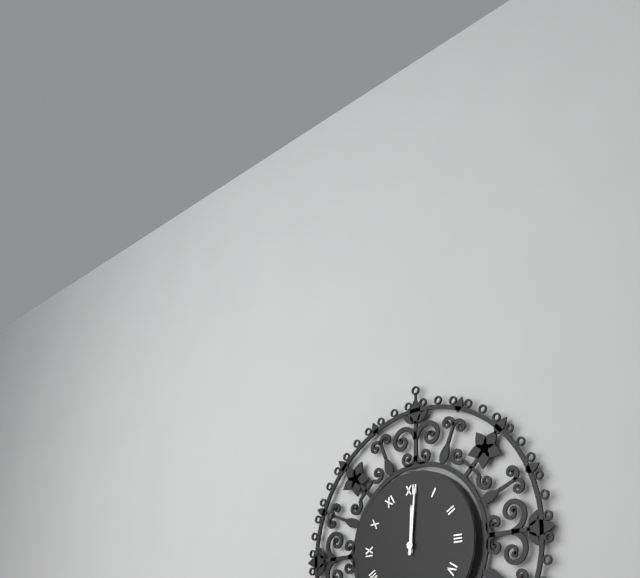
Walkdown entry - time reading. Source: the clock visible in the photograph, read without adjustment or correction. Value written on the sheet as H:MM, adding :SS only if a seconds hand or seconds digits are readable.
12:01
